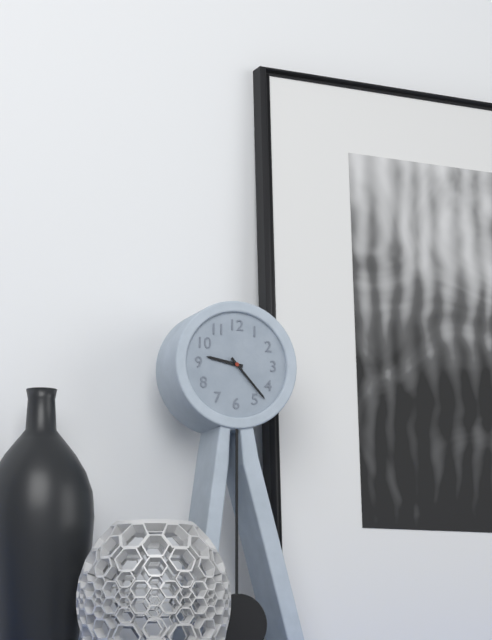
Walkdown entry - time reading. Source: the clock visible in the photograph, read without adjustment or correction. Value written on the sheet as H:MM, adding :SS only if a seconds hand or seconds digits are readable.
9:23
